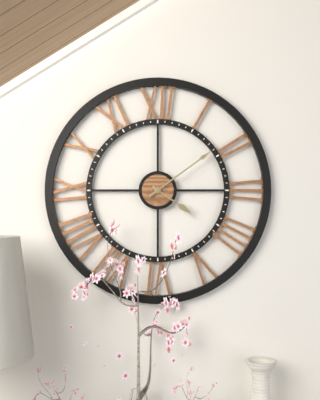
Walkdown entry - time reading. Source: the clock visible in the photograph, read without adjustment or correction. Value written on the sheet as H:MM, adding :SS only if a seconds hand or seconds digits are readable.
4:09
